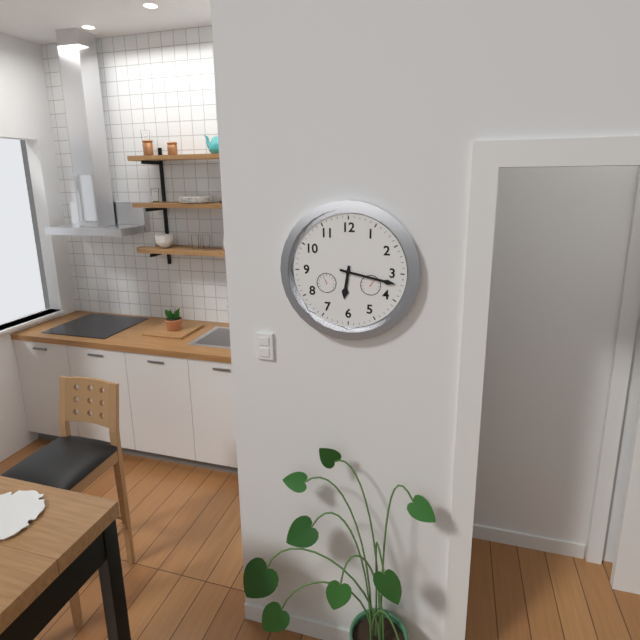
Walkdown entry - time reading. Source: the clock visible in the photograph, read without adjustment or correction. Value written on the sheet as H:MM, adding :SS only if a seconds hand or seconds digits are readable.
6:17
